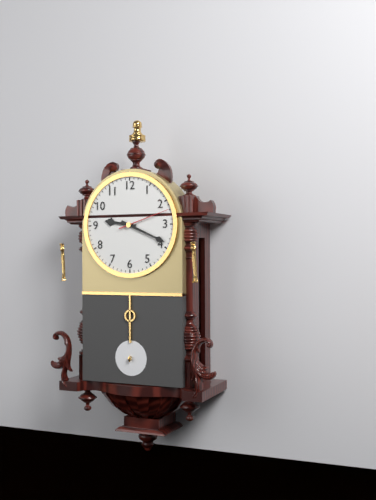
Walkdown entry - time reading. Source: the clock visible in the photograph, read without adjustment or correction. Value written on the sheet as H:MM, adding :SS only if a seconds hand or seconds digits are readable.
9:19:12
